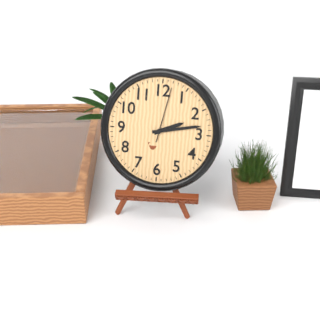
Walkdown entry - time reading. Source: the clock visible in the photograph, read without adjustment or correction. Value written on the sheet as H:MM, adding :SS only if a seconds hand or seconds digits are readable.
2:13:02
